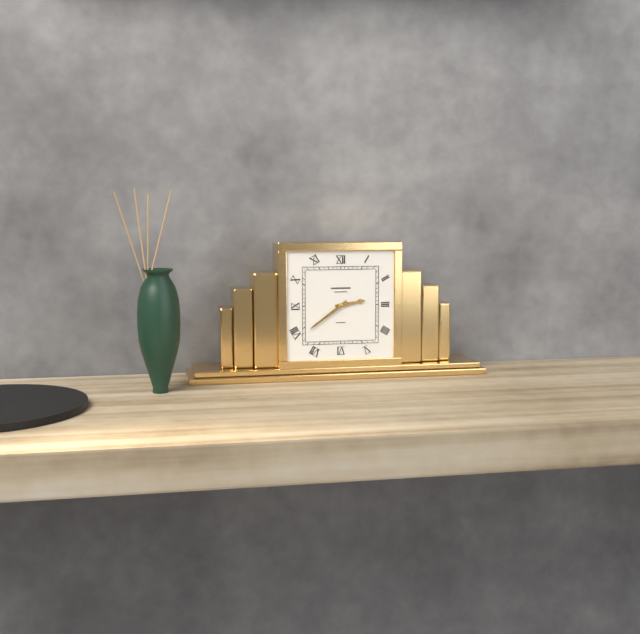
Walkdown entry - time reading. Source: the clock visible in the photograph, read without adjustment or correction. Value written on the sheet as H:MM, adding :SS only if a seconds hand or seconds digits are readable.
2:39
